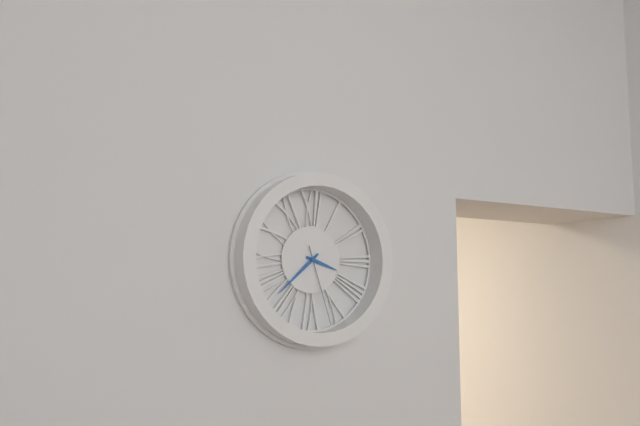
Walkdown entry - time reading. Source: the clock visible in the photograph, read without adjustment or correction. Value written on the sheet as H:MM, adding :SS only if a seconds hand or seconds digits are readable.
3:38:27
